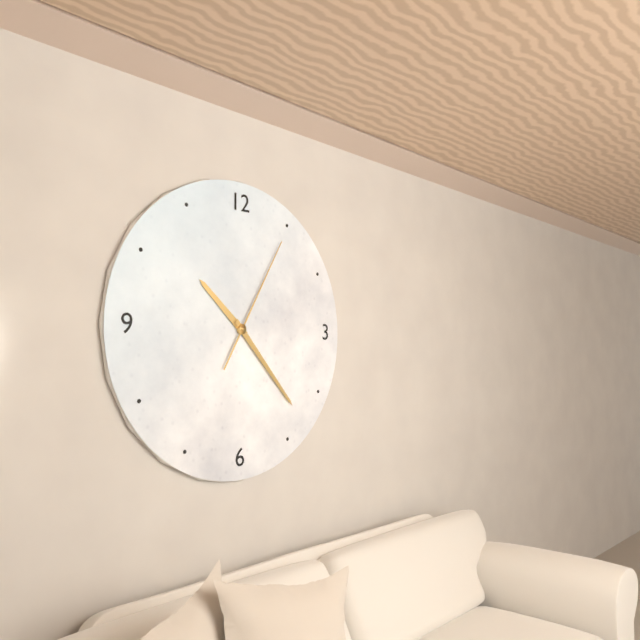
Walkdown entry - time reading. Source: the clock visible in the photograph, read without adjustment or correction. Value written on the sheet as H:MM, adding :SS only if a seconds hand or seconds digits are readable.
10:23:05
